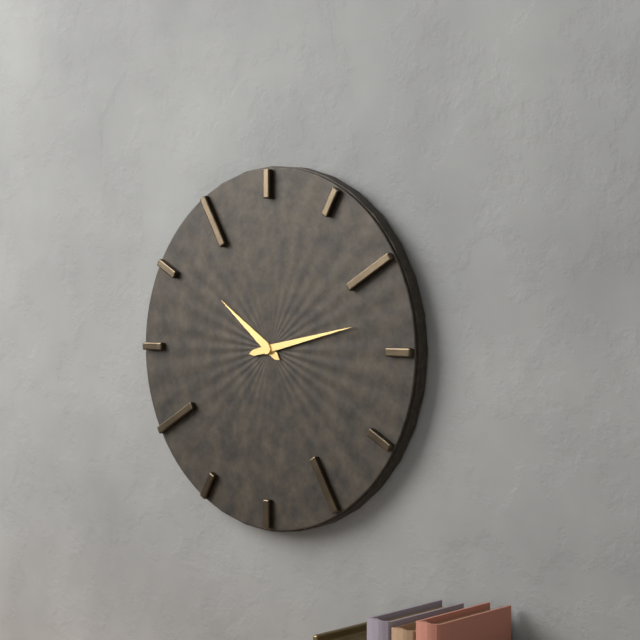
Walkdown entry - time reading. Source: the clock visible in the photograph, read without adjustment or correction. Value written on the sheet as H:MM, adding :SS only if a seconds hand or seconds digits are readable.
10:13
